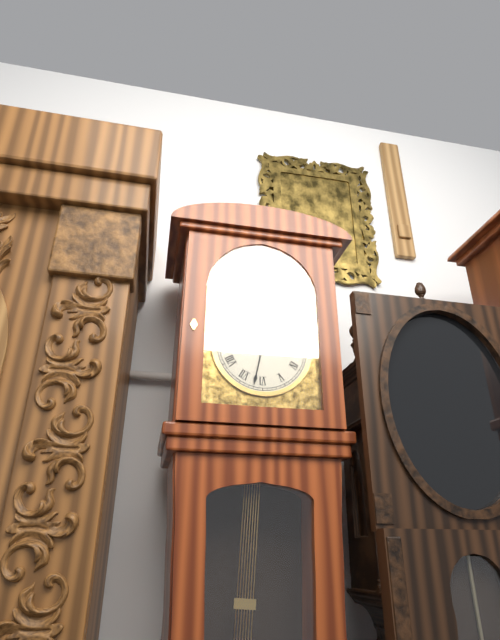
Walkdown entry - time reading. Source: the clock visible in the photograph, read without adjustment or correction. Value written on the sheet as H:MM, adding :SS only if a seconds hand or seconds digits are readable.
12:32
